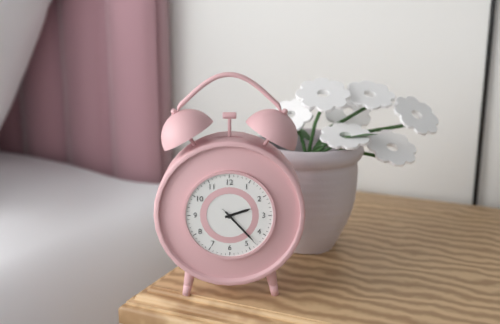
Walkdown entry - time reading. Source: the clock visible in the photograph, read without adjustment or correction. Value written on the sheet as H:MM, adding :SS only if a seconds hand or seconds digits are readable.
2:23
